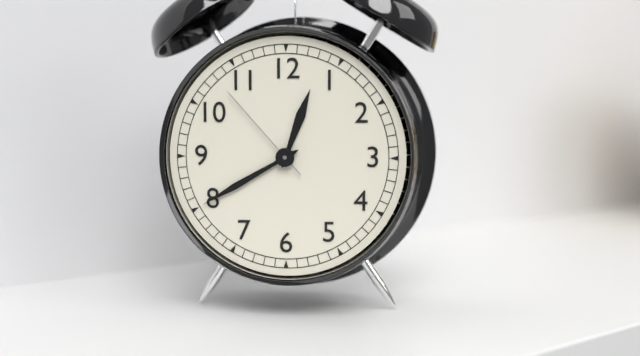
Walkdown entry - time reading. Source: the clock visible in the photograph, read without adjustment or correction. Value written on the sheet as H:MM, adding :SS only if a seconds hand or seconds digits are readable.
12:40:53
